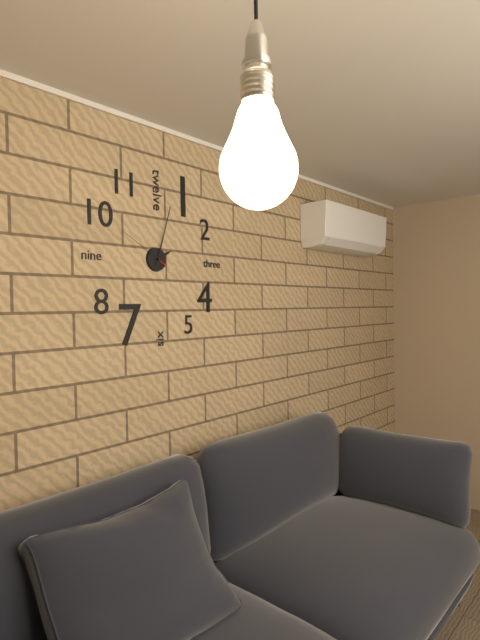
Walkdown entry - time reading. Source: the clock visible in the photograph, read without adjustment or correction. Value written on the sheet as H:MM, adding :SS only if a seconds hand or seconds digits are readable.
2:03:50
